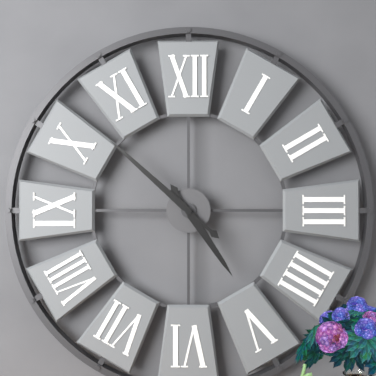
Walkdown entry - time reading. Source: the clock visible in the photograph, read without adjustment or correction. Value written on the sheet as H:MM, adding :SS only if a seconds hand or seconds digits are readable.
4:52
